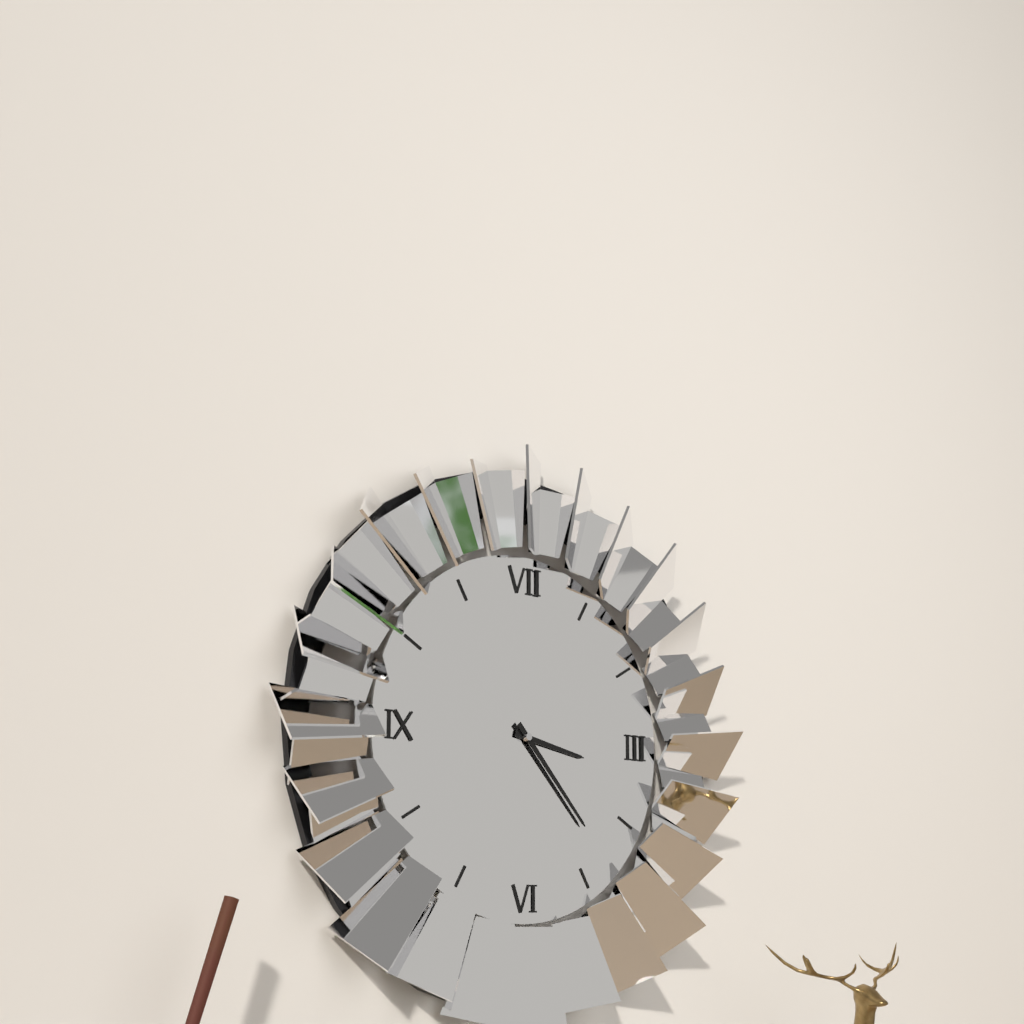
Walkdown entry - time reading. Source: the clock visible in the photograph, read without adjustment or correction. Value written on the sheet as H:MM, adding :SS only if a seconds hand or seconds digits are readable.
3:23
